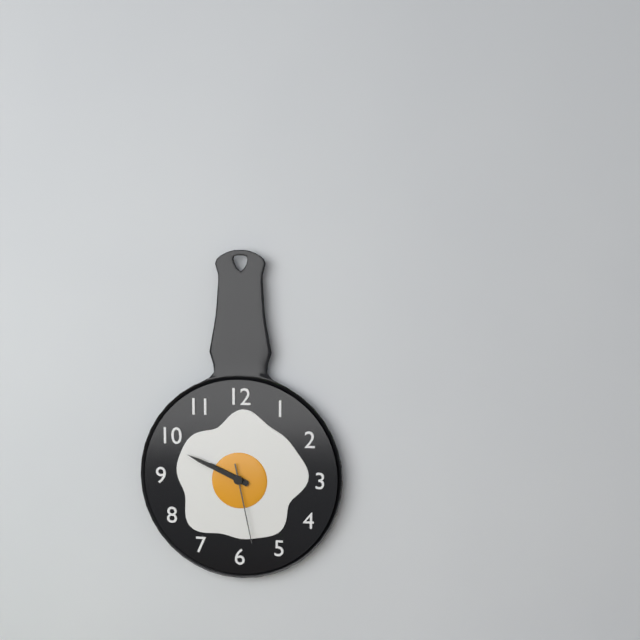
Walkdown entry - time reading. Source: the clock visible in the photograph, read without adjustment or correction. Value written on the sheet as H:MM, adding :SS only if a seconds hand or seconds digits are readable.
9:49:28
